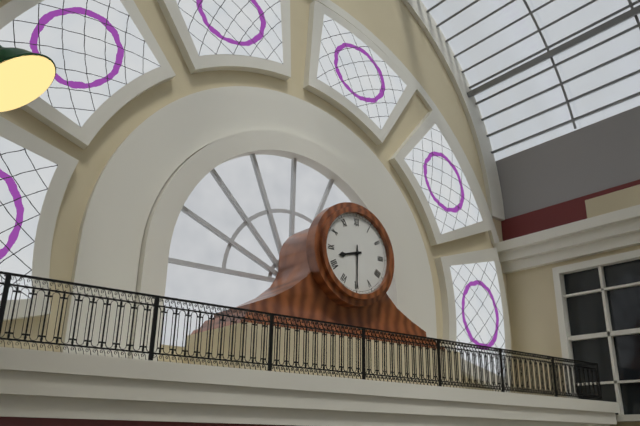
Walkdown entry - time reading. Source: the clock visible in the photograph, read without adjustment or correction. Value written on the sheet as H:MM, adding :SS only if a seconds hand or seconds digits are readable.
8:30
